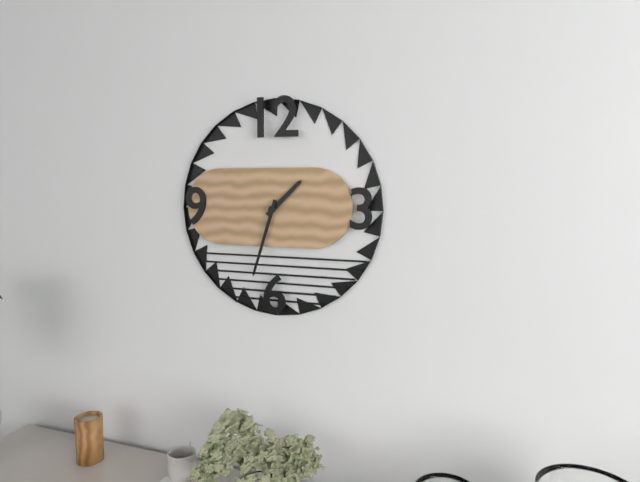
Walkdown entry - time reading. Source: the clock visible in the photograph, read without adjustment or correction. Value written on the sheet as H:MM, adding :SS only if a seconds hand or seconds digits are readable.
1:33
